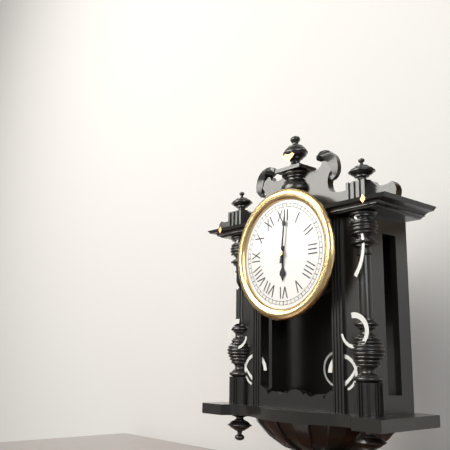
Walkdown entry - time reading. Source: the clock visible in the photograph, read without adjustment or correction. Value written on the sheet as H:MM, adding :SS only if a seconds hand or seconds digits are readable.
6:01
